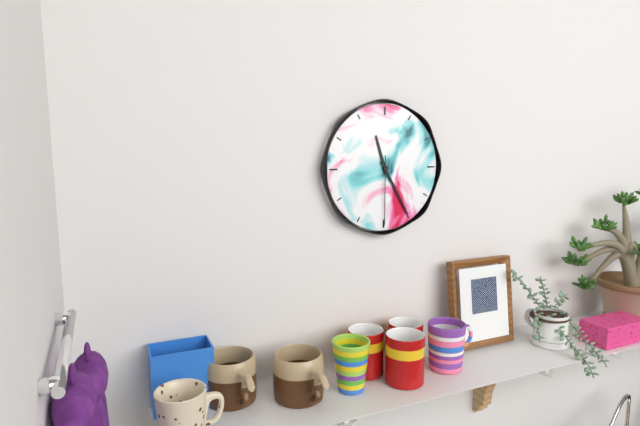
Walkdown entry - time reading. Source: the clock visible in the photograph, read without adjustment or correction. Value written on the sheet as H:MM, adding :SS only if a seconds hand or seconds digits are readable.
11:25:30
